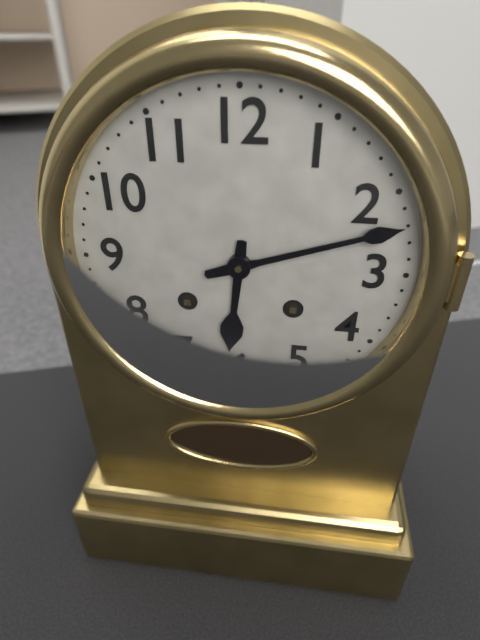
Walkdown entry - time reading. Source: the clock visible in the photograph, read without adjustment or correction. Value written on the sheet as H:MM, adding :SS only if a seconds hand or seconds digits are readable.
6:12
